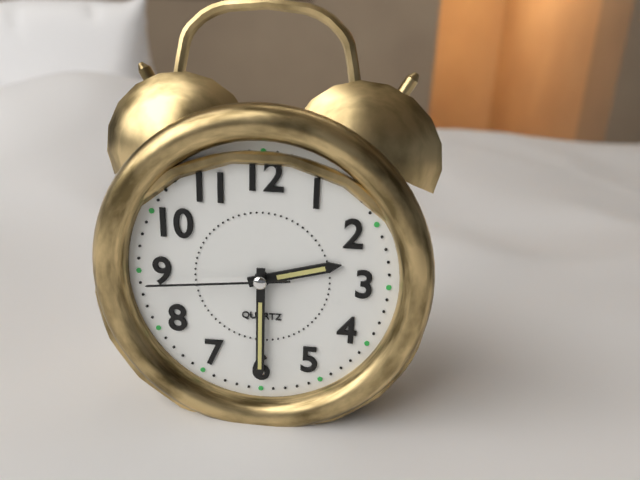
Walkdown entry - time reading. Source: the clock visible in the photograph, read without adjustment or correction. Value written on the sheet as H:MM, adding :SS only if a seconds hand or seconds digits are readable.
2:30:44
